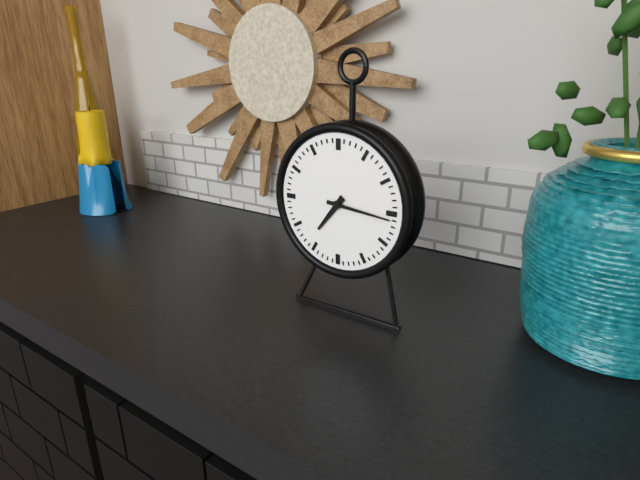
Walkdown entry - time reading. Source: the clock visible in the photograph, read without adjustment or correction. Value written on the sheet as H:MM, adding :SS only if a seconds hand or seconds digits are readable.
7:16
